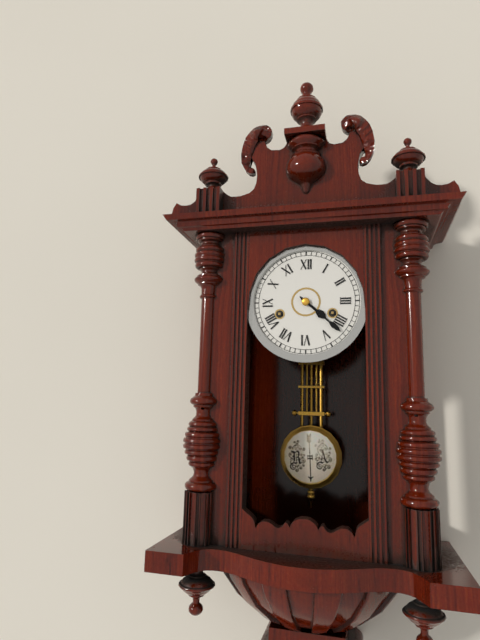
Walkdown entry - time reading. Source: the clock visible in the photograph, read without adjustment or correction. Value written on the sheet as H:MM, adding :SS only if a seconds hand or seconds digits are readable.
4:22
